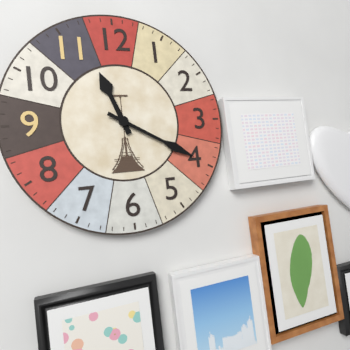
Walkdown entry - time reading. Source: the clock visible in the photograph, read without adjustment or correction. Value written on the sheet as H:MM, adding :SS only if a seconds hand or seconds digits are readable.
11:20
